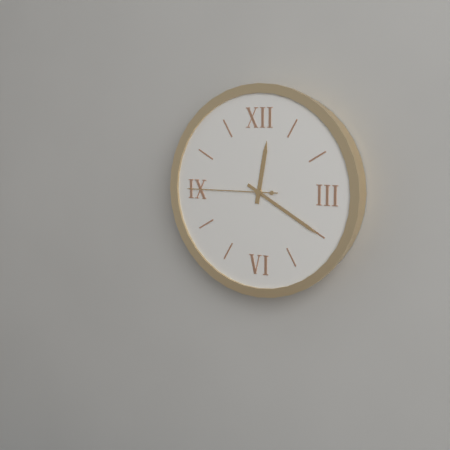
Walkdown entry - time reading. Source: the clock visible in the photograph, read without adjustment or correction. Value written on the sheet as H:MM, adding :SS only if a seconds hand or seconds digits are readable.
12:20:45
